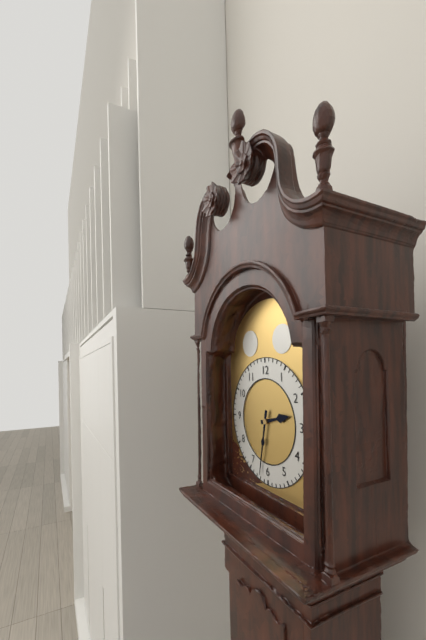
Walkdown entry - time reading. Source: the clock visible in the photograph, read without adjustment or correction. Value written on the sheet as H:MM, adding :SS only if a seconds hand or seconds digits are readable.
2:32
